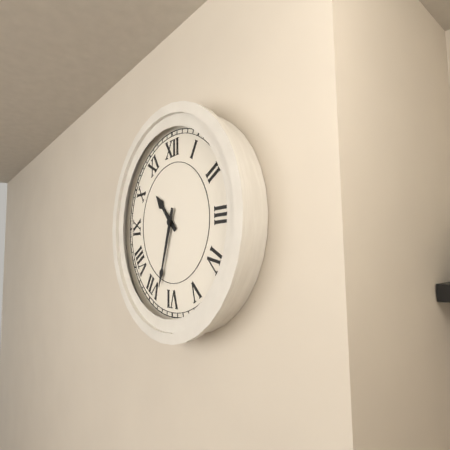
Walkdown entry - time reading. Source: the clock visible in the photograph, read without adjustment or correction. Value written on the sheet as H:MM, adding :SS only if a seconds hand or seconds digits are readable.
10:33
